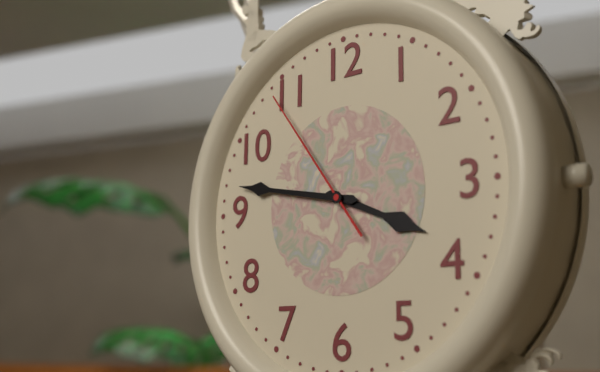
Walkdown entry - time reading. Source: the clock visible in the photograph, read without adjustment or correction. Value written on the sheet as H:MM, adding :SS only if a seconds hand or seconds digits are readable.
3:47:54
